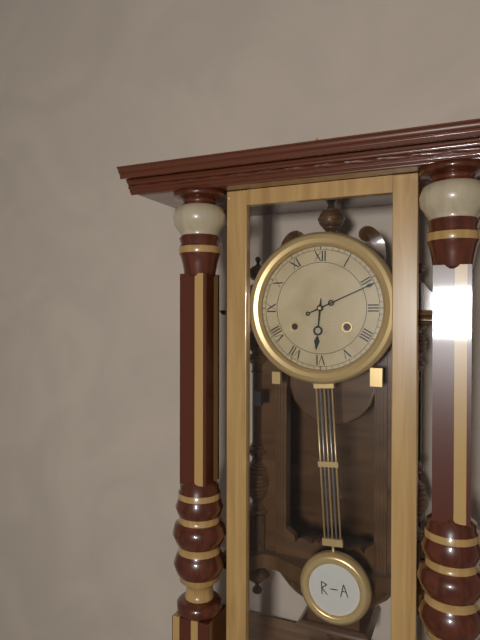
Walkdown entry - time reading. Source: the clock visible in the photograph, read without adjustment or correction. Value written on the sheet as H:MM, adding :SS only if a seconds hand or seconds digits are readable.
6:11
